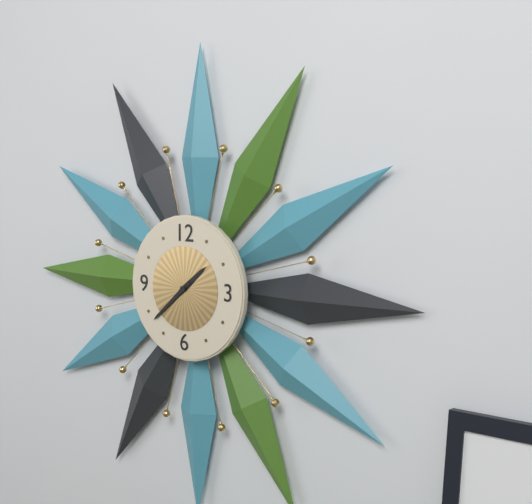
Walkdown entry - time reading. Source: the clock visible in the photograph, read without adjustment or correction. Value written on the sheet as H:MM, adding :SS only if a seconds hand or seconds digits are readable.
1:38
